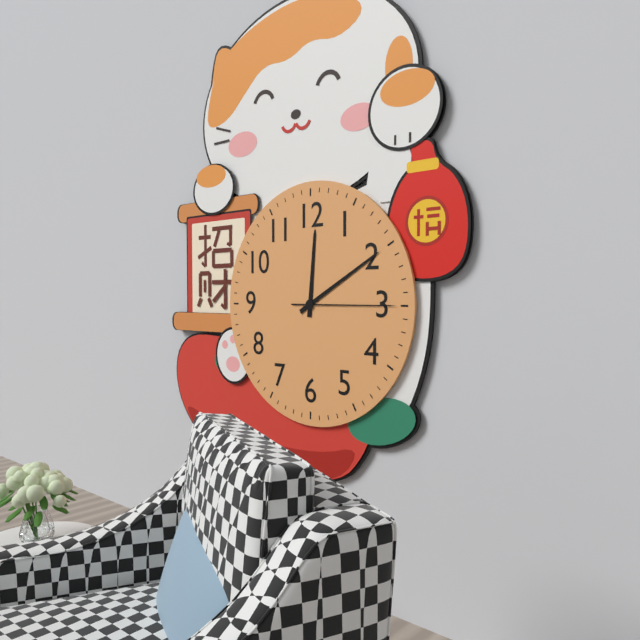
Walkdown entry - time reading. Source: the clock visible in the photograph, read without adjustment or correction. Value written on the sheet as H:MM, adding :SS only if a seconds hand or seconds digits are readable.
12:10:15
